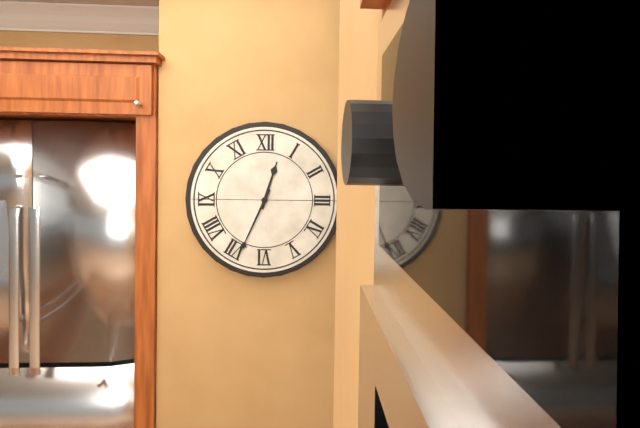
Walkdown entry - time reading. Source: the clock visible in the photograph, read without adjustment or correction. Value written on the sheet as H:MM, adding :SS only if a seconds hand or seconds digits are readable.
12:34
